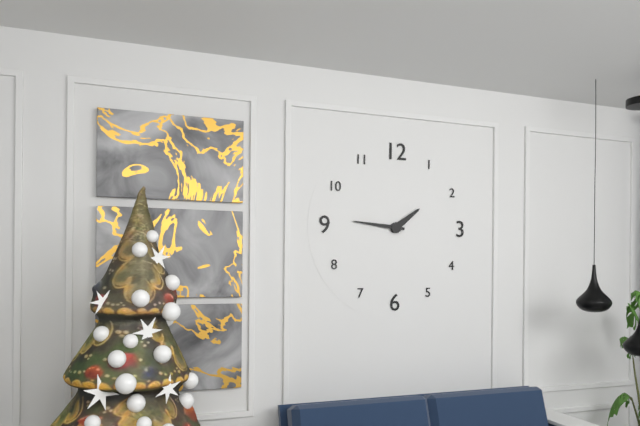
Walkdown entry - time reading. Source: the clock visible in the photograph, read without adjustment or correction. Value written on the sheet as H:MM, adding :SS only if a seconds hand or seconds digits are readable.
1:46
